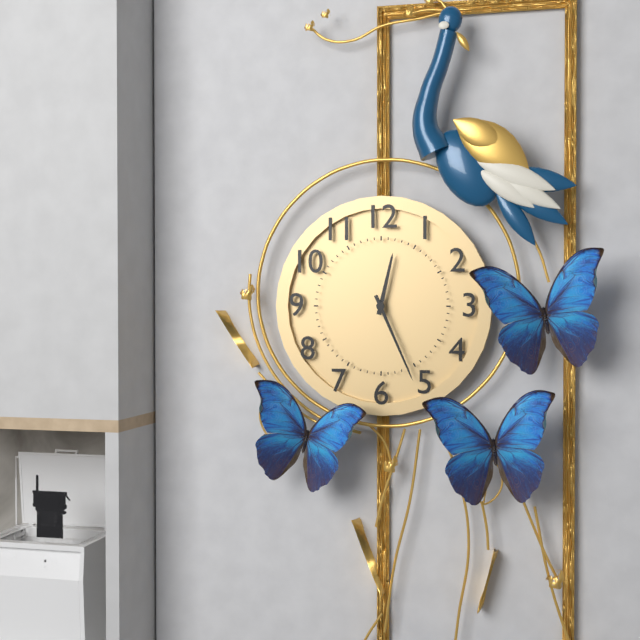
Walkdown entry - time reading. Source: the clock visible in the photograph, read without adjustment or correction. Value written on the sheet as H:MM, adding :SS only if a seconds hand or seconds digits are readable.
12:26
